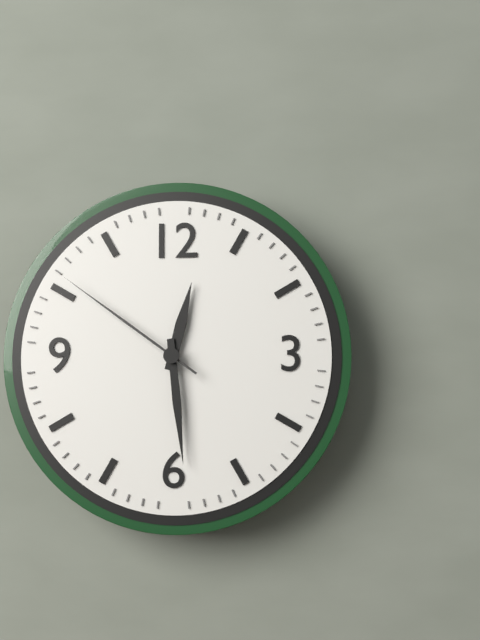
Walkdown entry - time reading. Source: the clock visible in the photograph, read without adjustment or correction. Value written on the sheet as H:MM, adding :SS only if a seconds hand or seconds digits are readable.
12:29:51
